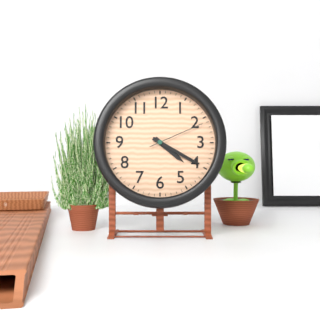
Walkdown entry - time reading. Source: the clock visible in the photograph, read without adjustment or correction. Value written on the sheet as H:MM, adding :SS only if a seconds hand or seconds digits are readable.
4:20:11
